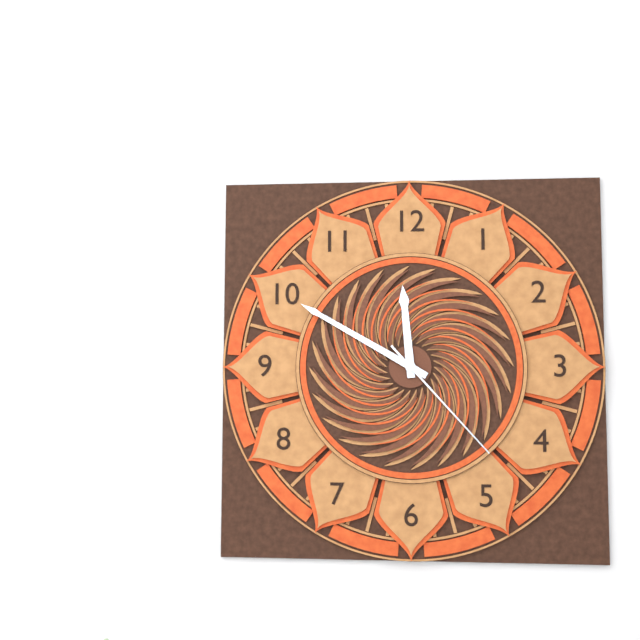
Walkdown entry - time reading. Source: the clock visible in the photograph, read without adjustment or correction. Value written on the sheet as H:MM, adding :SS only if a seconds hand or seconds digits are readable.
11:50:23
